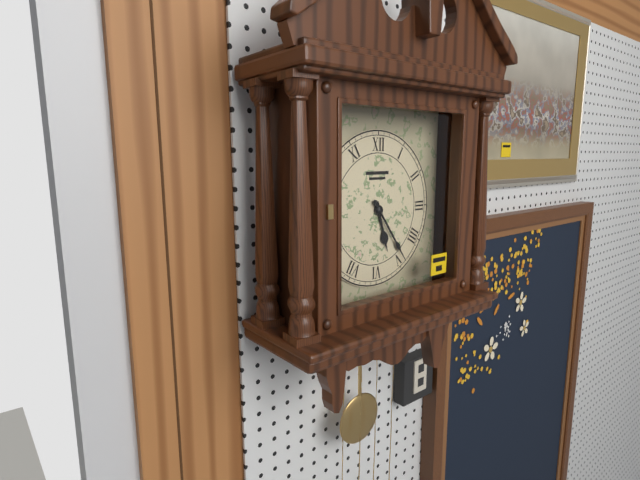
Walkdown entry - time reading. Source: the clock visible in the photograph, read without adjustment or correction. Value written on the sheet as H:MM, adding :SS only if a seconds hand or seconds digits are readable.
5:24
